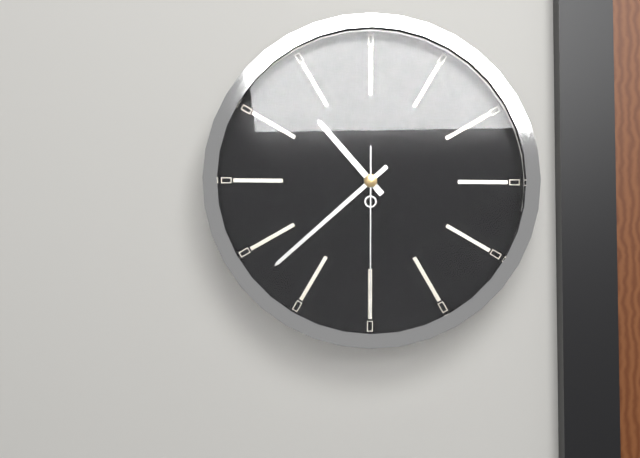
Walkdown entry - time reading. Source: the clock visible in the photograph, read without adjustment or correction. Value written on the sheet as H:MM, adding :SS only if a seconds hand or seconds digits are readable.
10:38:30
